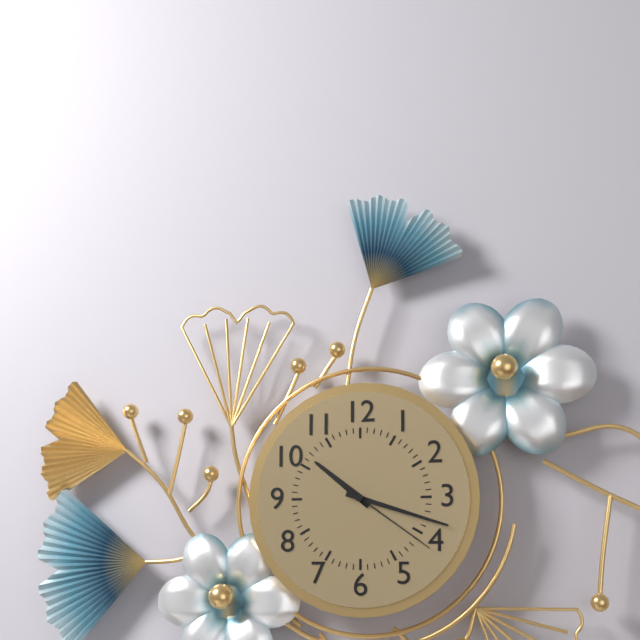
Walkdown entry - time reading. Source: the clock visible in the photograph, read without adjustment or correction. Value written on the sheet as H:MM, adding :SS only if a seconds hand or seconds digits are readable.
10:18:21
